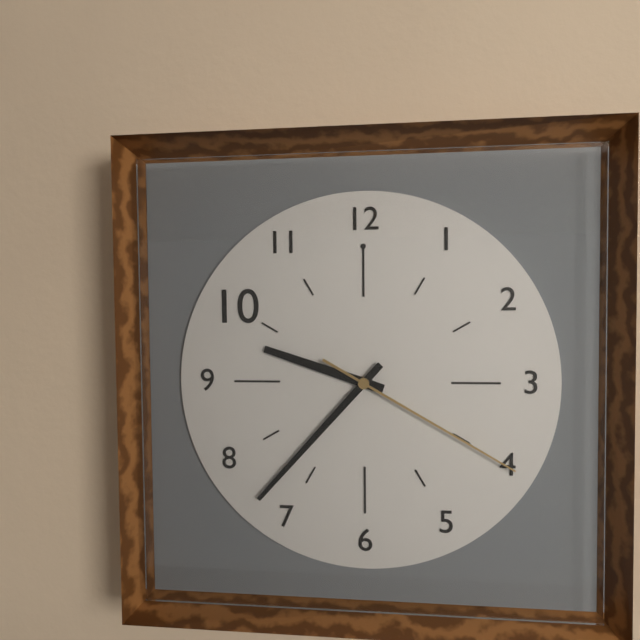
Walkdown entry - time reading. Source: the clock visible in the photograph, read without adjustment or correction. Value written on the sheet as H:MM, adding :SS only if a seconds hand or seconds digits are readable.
9:37:20
